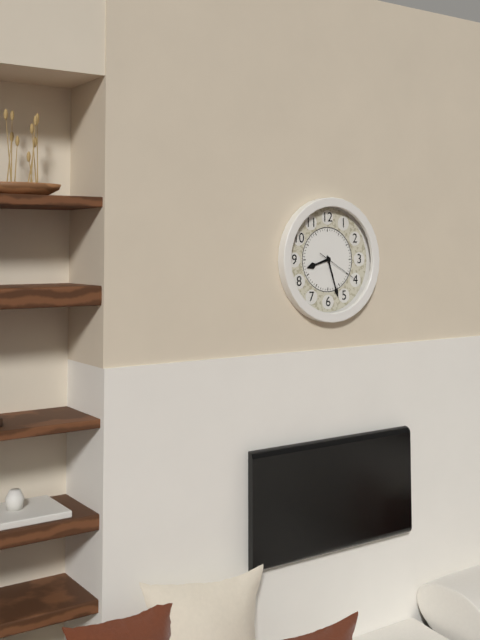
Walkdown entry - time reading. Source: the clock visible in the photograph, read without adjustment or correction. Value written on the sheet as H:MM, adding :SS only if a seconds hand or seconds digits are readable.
8:27
